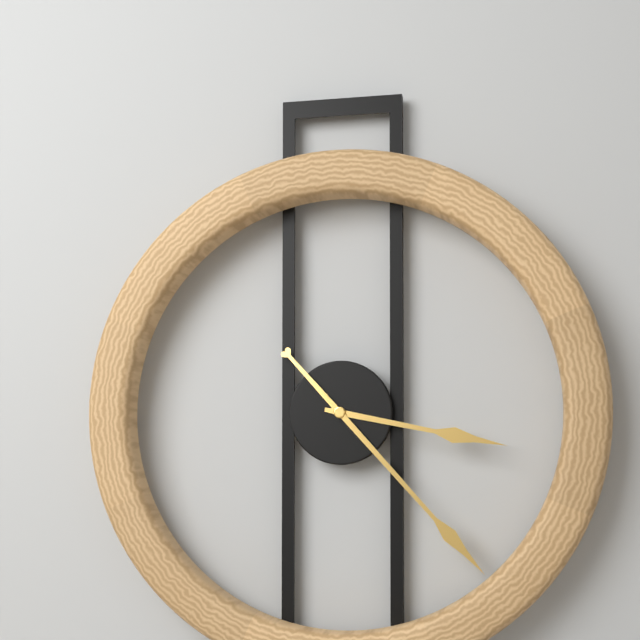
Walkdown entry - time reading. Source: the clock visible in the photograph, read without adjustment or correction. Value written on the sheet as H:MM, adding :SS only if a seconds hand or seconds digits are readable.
3:23
